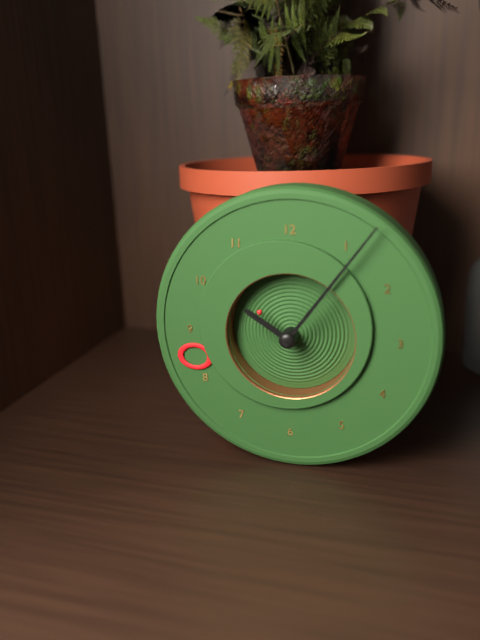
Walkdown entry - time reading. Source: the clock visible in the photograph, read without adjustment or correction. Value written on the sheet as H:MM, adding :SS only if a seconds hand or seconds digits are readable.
10:06:50
